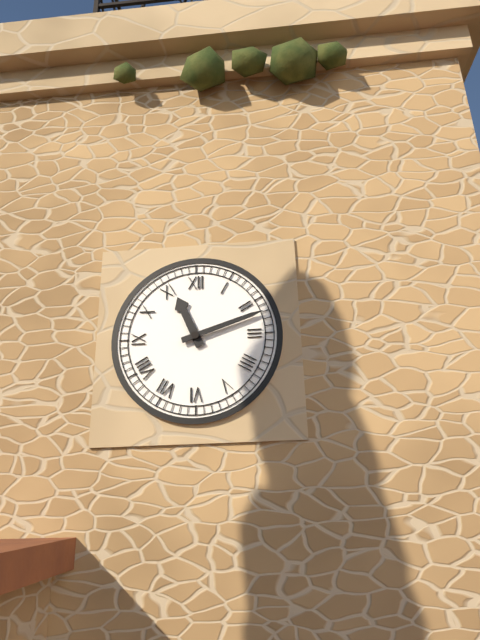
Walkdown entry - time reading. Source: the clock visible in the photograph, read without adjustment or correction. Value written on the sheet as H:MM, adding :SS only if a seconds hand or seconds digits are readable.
11:12
